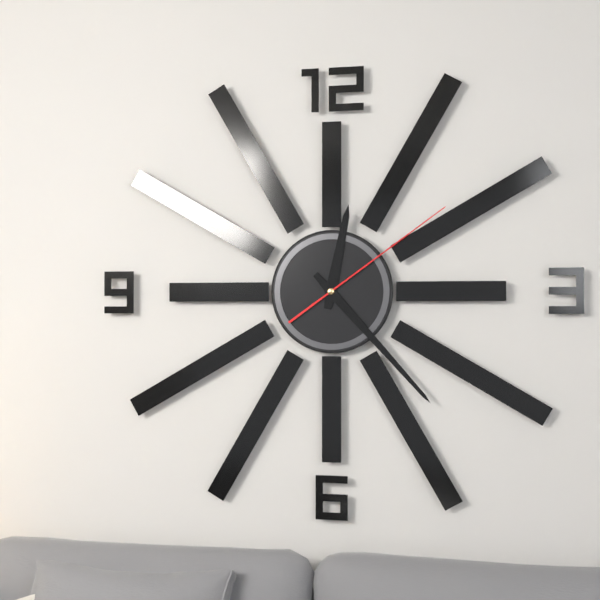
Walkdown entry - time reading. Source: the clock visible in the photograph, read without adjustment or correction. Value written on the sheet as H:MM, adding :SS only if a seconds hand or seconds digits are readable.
12:23:09
